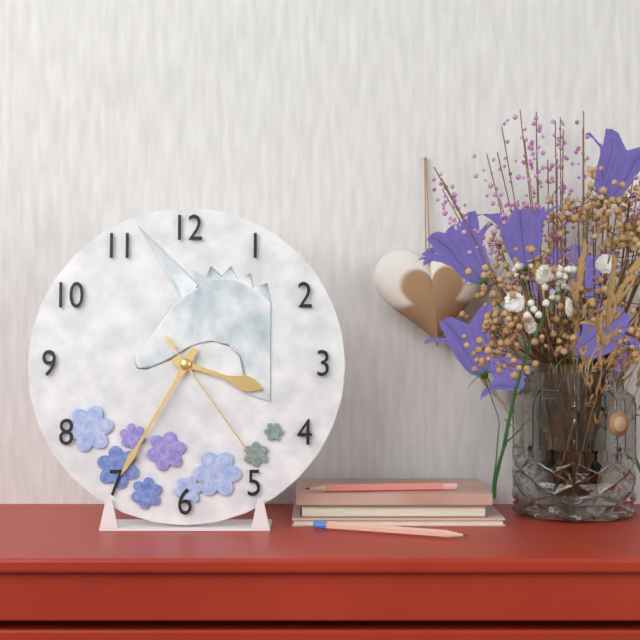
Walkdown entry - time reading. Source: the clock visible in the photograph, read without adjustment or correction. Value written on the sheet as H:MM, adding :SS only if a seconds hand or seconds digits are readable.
3:35:24
